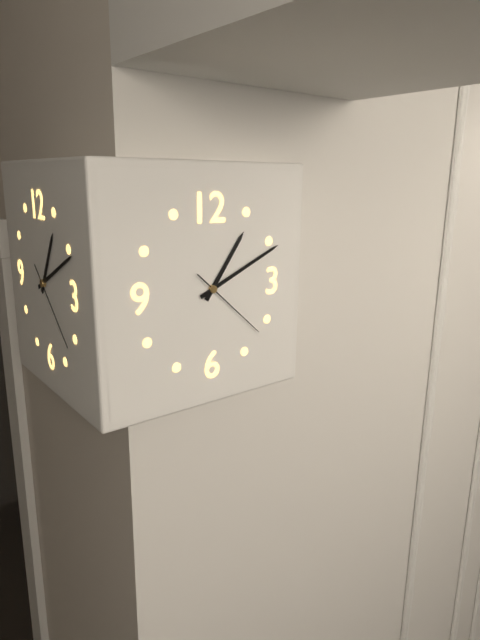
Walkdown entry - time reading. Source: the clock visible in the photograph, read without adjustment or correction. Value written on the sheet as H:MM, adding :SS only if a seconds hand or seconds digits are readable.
1:11:22
